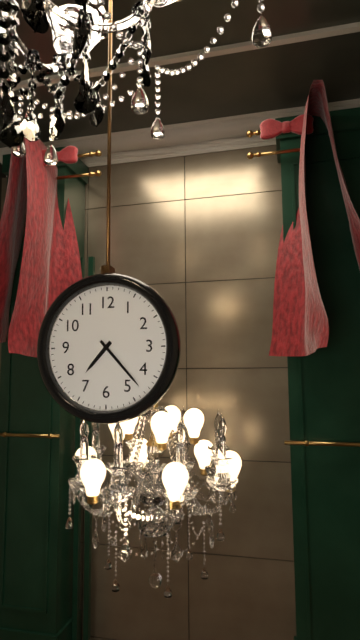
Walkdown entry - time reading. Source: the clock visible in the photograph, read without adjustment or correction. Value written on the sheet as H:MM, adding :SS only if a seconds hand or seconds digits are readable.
7:23
